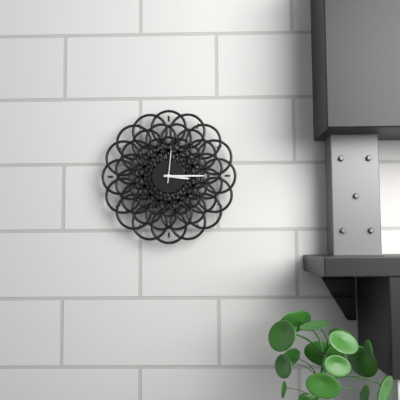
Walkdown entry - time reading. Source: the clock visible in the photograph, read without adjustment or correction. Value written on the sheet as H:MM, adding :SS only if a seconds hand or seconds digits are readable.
3:15
